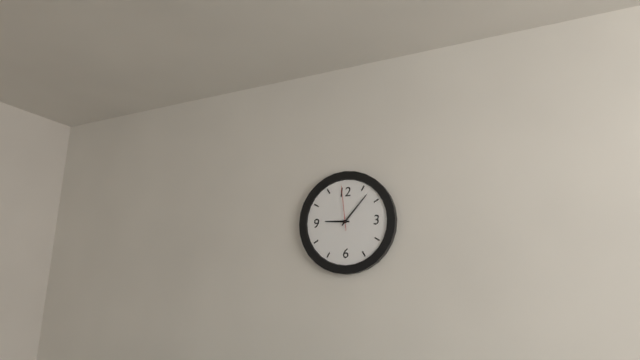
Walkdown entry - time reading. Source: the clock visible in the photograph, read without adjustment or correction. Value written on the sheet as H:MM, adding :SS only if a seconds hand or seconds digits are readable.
9:07
